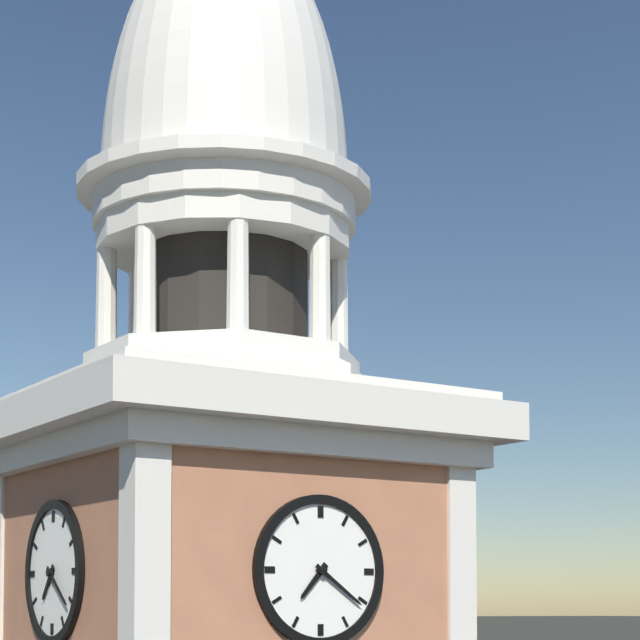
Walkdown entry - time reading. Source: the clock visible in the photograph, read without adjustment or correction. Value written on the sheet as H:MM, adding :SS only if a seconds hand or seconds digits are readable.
7:21
